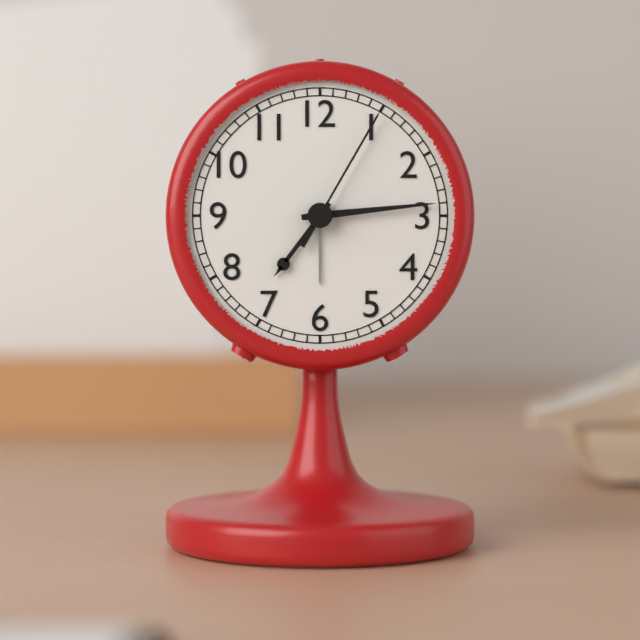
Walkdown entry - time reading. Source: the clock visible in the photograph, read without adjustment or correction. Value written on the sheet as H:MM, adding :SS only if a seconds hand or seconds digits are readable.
7:14:05
